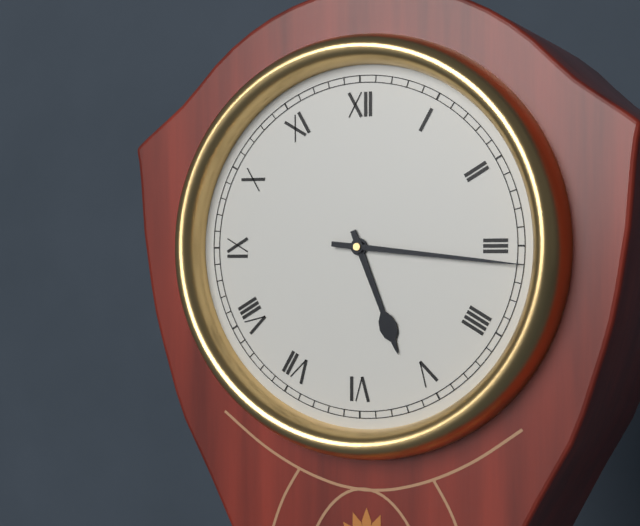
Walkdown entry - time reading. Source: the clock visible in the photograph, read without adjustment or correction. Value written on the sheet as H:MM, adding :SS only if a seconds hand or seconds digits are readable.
5:16
